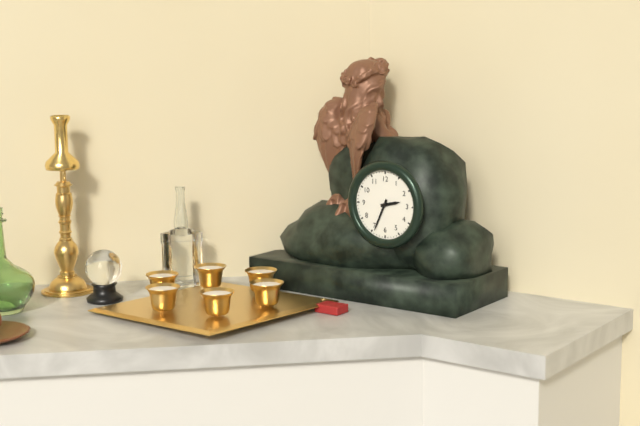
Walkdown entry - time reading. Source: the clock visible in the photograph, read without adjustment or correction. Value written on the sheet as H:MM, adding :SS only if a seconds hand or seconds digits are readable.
2:34
